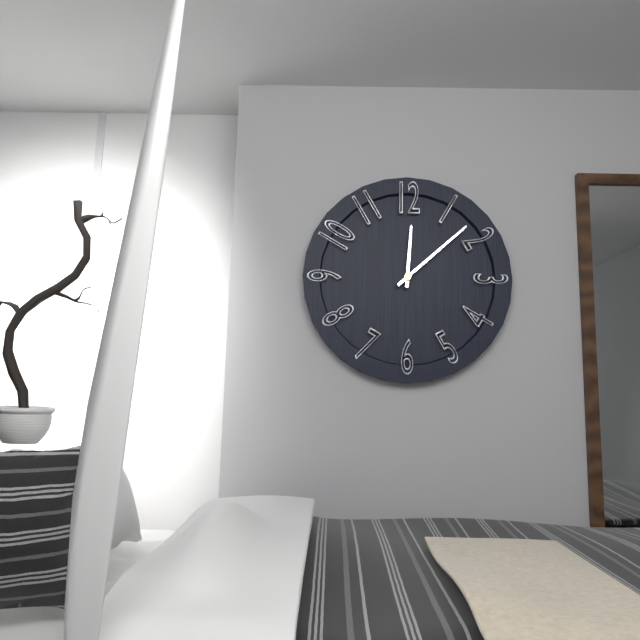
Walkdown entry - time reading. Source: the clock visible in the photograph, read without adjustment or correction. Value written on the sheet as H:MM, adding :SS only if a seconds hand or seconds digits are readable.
12:08
